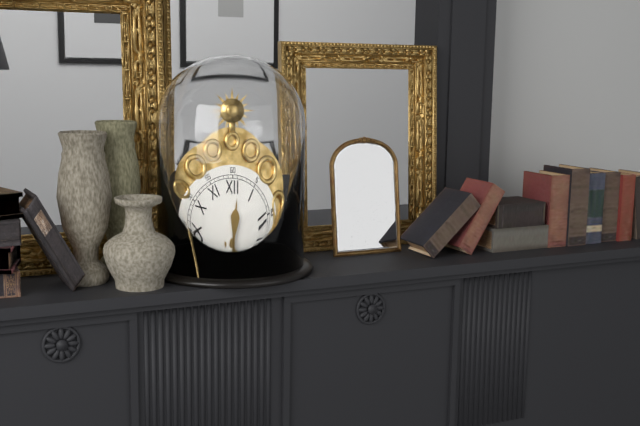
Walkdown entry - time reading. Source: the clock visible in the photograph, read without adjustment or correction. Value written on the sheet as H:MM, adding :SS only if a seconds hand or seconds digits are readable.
12:15
